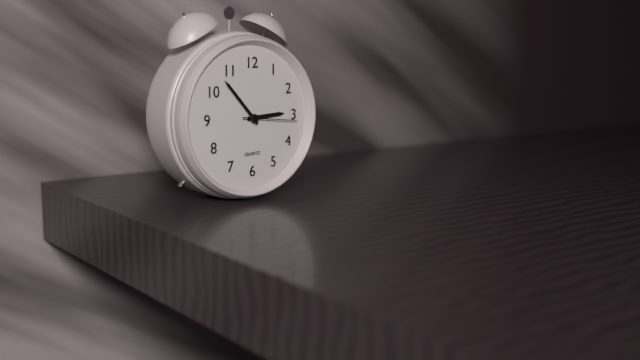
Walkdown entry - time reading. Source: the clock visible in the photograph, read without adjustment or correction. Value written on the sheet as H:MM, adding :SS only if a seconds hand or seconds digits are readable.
2:53:16
